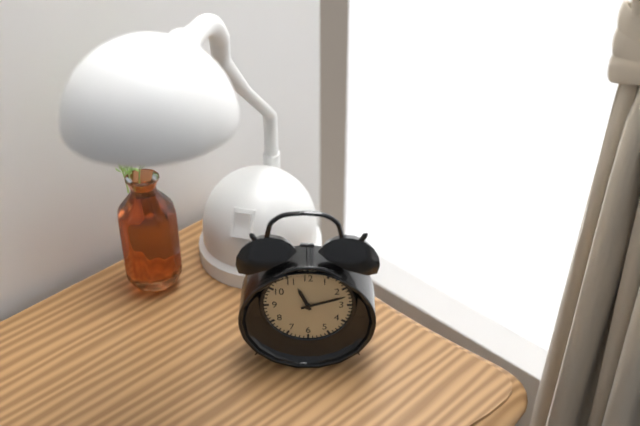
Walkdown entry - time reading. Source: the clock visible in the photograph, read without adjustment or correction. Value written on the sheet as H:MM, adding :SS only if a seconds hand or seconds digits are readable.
11:12
